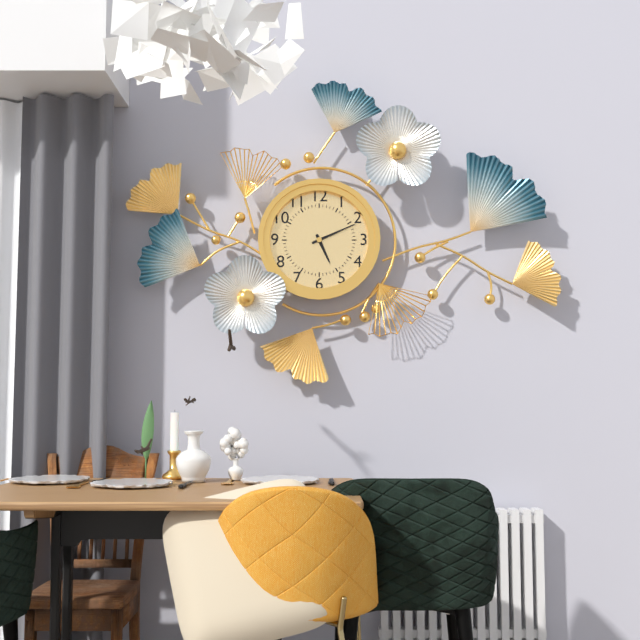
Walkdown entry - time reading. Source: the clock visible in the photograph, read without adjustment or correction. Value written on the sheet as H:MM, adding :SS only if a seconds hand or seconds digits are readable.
5:11
